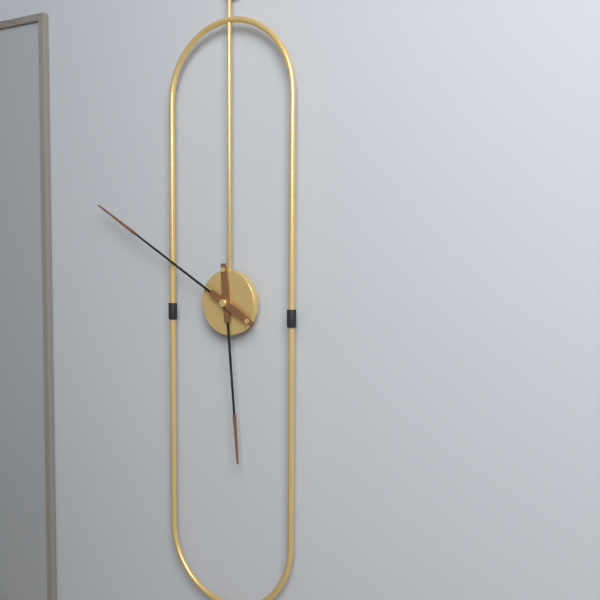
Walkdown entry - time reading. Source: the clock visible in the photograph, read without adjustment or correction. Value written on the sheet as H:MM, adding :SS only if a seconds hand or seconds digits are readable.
5:50
